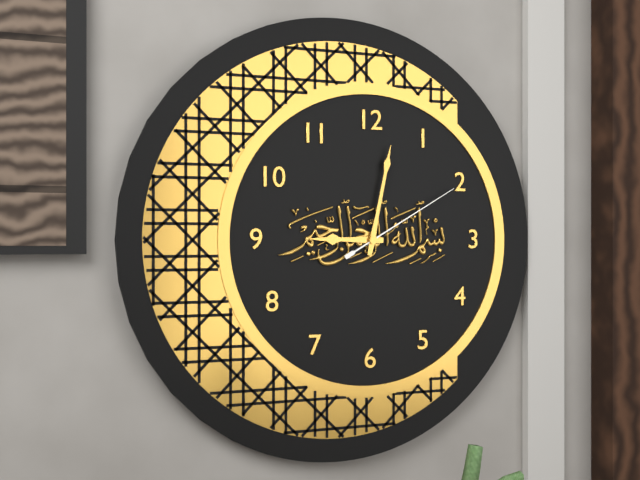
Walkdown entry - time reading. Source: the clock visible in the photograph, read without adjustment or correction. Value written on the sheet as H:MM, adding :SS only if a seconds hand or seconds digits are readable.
9:02:10
